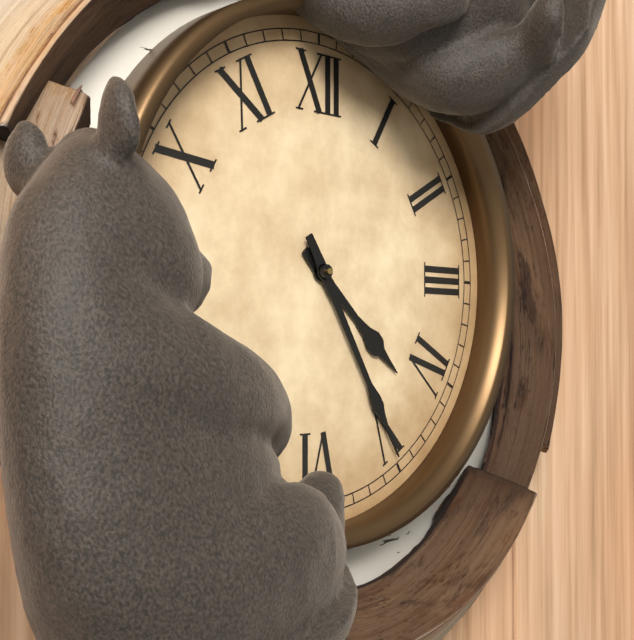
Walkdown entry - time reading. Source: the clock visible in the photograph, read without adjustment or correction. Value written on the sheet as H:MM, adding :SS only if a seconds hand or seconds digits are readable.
4:25
